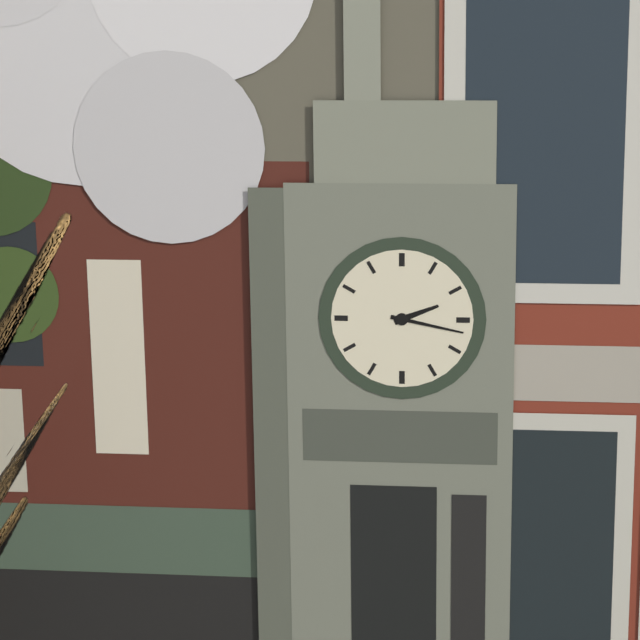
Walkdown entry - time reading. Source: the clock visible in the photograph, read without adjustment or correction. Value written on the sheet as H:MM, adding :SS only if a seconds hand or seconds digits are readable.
2:17
